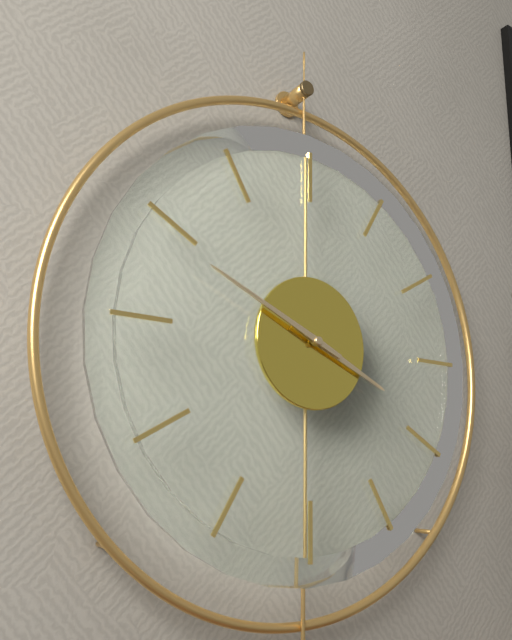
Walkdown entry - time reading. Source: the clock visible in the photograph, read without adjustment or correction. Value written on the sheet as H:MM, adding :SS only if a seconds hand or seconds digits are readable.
3:49
